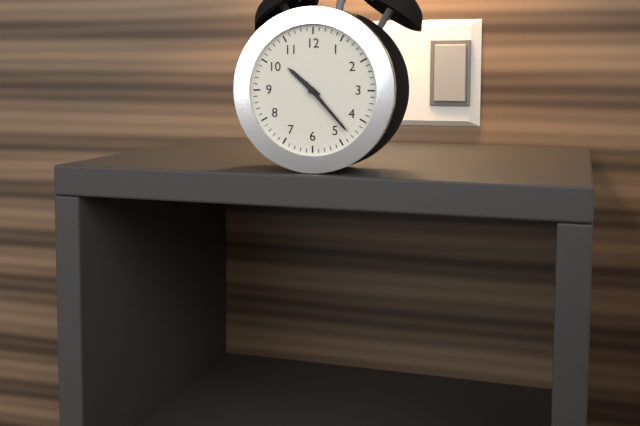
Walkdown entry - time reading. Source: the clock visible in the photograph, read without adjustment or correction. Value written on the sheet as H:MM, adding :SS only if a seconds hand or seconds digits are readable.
10:23
